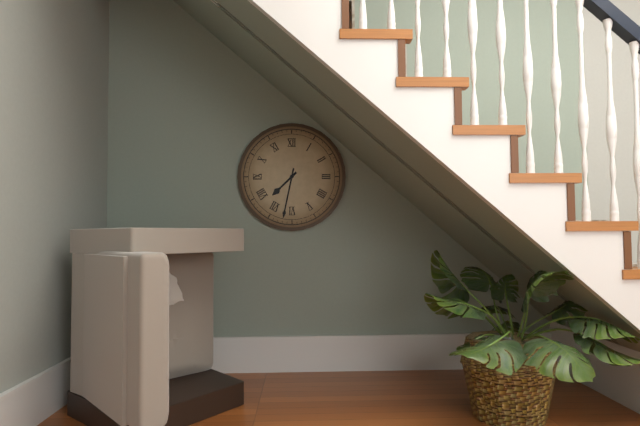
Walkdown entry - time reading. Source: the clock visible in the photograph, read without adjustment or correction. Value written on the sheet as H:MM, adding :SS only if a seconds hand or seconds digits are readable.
7:32
